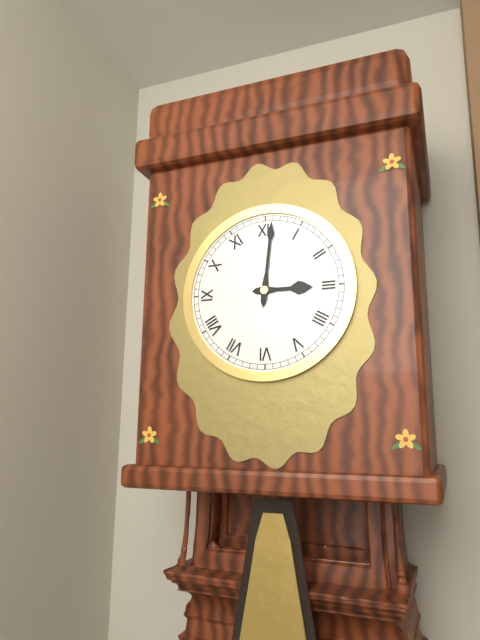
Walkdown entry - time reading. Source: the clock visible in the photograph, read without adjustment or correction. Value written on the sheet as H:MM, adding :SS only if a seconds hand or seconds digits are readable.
3:01
